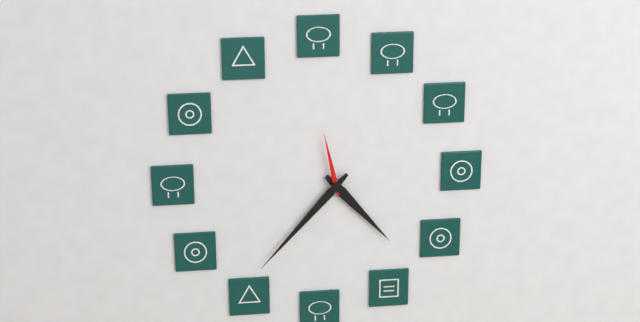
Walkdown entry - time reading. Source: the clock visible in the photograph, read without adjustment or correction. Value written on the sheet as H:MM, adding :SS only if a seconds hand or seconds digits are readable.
4:37:58
